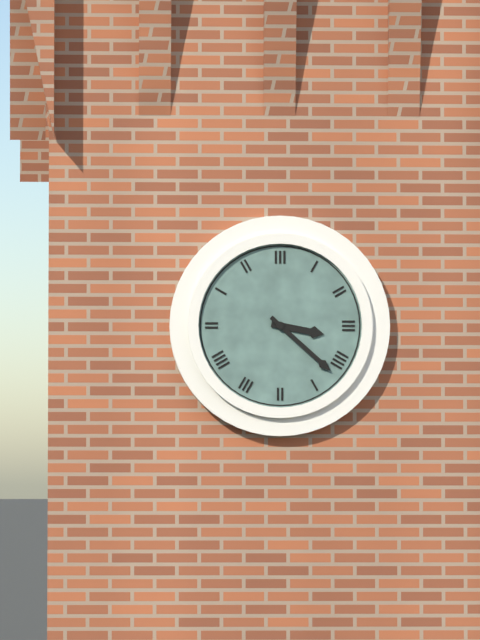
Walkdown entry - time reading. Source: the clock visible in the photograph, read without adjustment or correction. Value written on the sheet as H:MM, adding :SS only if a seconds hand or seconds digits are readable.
3:22
